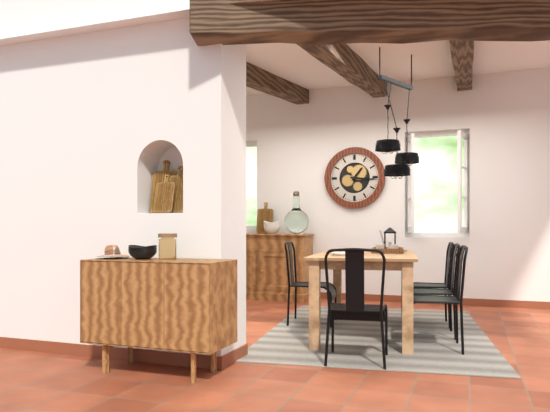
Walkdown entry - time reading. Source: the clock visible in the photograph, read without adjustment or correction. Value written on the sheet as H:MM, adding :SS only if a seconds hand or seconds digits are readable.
1:16
